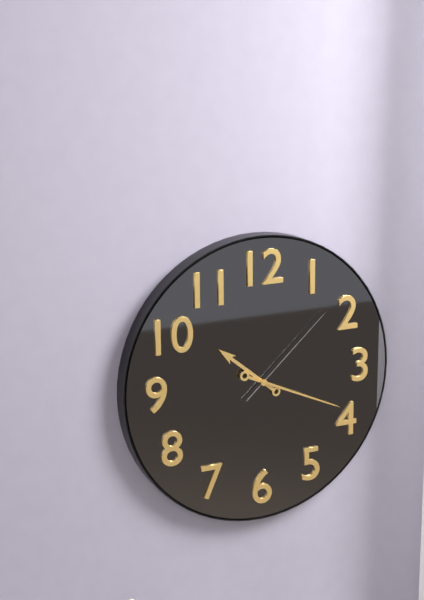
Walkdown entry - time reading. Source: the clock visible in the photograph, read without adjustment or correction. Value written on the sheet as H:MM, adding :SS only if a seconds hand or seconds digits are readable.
10:19:08
